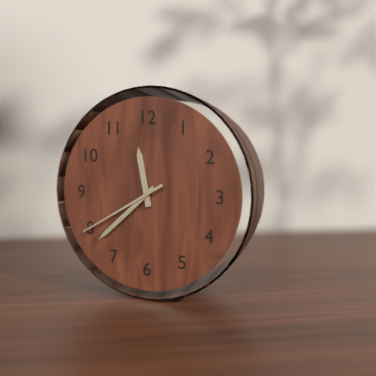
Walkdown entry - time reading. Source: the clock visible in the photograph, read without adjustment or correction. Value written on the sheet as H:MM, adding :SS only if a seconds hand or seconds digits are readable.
11:38:40
